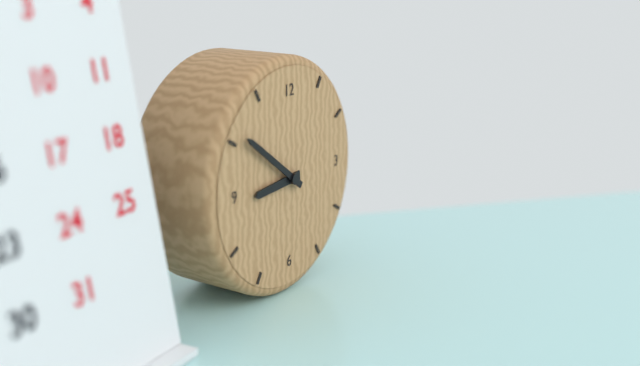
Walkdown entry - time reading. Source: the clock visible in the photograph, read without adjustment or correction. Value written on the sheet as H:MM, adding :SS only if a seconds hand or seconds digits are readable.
8:51
